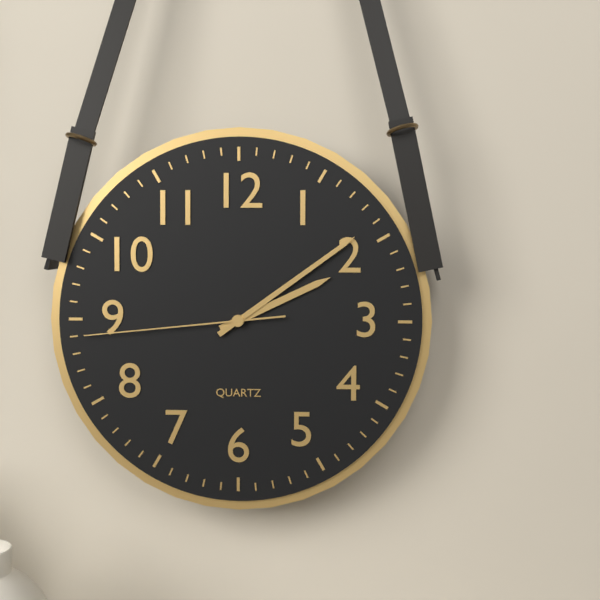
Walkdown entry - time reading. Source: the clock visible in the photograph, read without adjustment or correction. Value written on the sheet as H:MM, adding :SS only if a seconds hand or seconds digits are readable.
2:09:44
